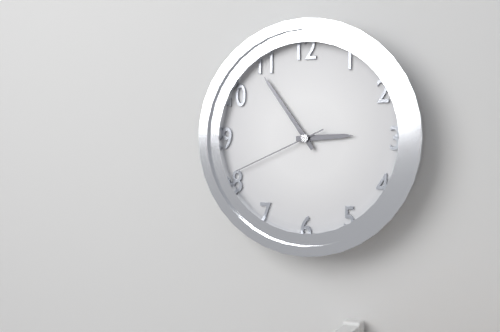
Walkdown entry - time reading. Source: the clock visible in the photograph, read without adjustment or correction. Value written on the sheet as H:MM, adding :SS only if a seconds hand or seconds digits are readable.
2:54:41
